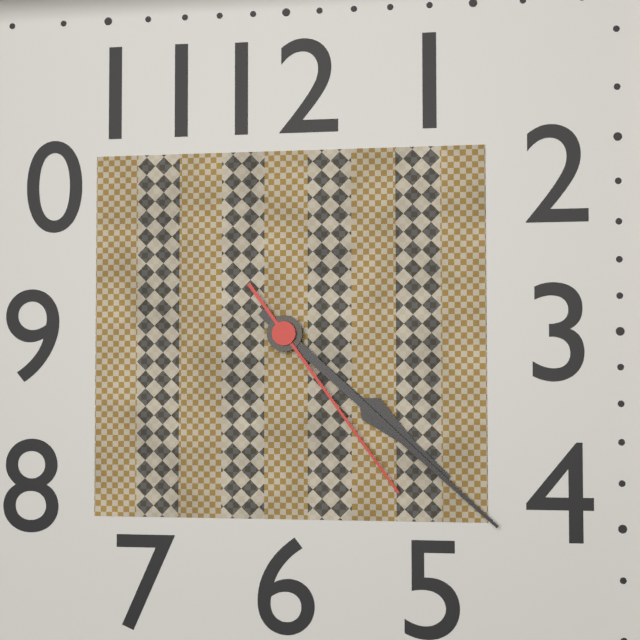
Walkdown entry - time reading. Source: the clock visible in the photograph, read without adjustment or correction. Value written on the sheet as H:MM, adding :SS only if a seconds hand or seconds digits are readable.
4:22:24
